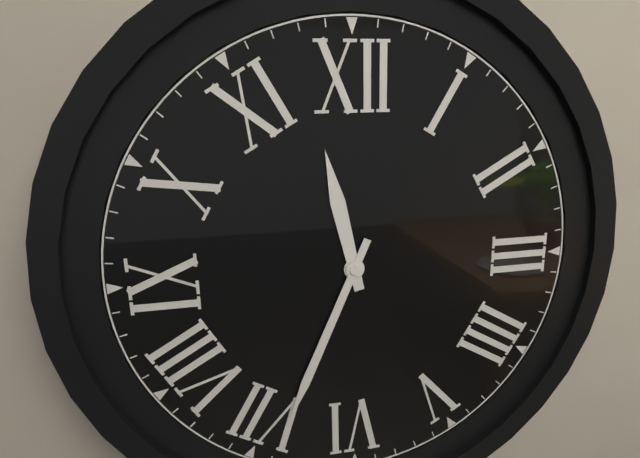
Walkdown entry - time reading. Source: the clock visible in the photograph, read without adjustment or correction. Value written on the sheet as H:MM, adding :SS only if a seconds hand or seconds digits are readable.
11:34
